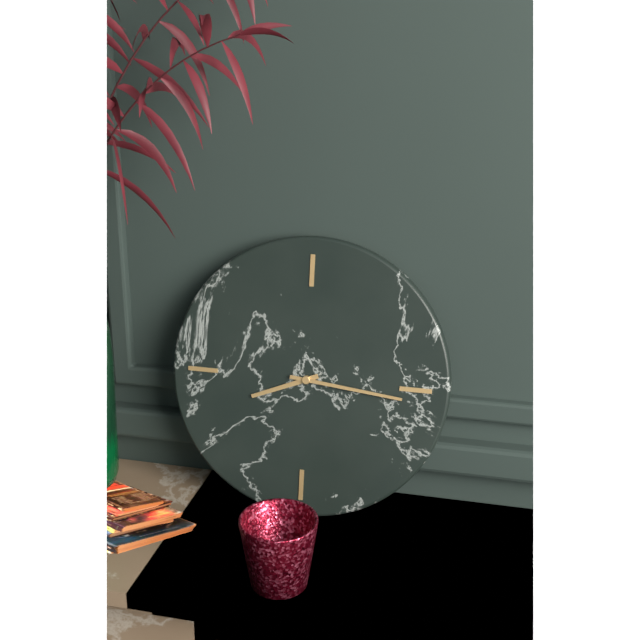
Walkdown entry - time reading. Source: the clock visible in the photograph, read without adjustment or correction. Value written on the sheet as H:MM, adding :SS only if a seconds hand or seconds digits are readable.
8:16
